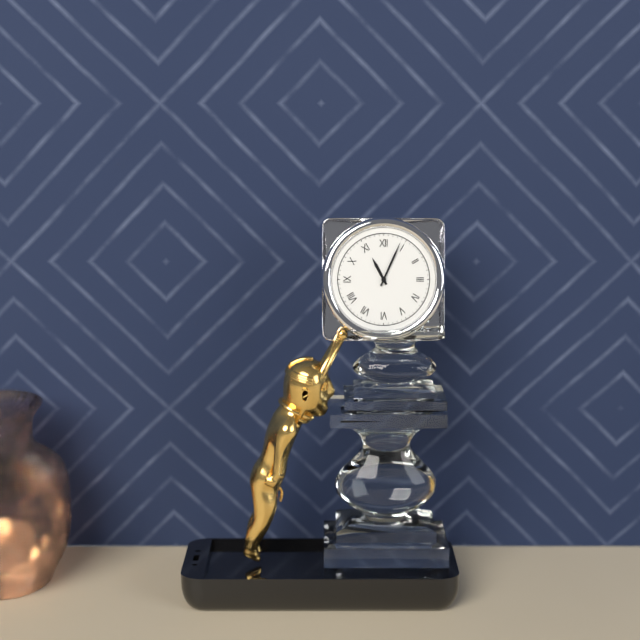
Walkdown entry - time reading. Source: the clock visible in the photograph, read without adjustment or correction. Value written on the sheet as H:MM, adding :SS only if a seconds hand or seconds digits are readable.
11:04
